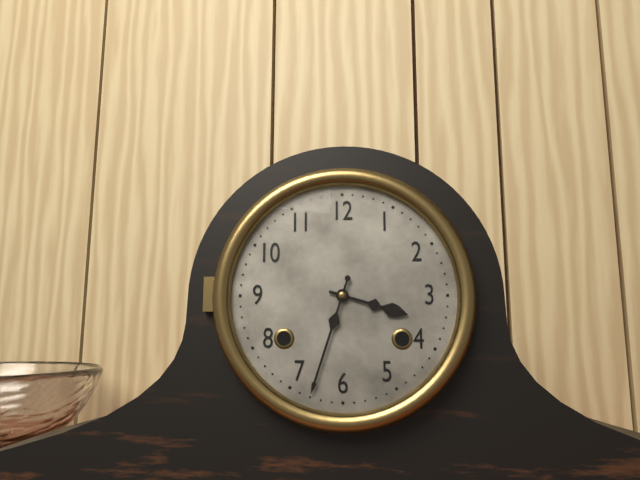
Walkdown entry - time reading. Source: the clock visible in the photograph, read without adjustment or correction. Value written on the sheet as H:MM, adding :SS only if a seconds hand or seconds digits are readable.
3:33
